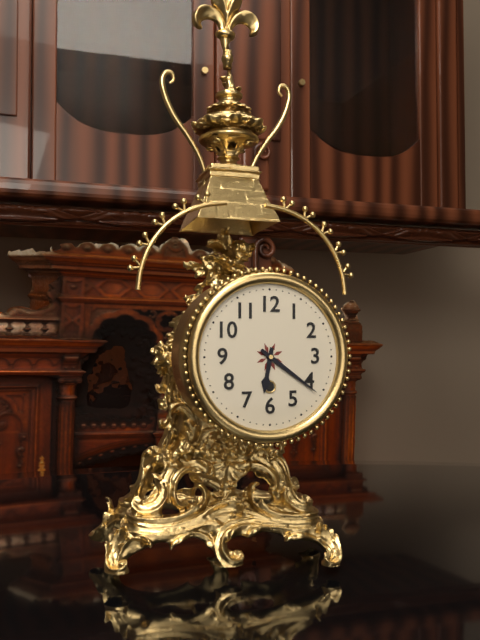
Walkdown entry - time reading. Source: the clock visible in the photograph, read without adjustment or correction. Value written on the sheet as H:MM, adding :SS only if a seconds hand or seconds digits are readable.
6:21
